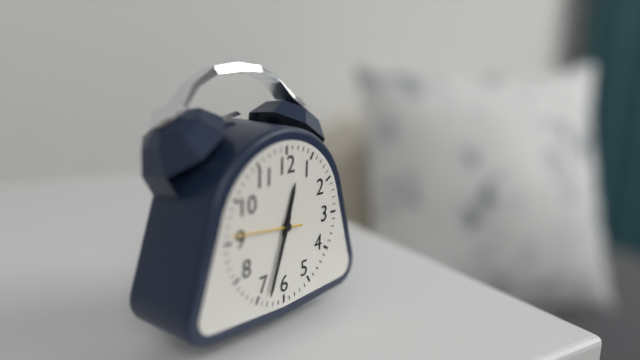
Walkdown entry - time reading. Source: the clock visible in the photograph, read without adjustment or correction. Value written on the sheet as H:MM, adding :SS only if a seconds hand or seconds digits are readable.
12:33
